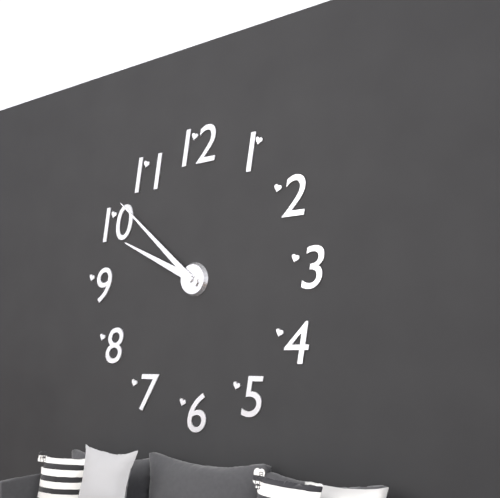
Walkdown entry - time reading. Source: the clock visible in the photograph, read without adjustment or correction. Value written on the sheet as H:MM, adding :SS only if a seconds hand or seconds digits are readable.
9:52
